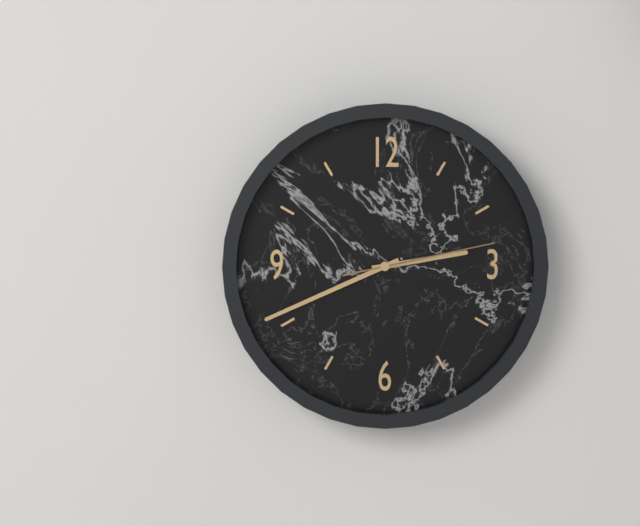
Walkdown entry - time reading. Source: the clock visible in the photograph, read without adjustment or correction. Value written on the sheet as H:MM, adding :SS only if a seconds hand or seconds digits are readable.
2:41:13
